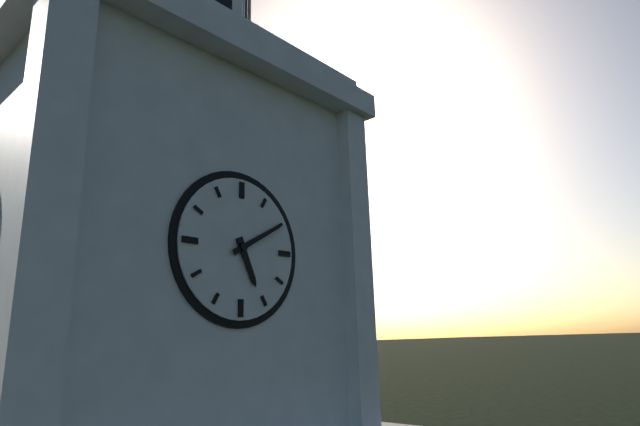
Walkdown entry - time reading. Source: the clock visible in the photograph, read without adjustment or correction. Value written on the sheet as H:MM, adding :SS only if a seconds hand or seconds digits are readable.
5:10
